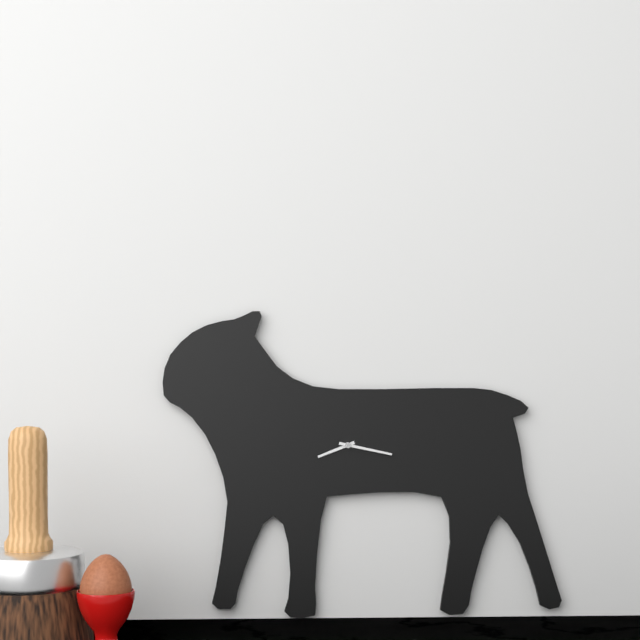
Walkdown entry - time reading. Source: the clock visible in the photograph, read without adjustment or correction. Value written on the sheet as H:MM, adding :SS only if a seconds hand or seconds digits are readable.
8:17
